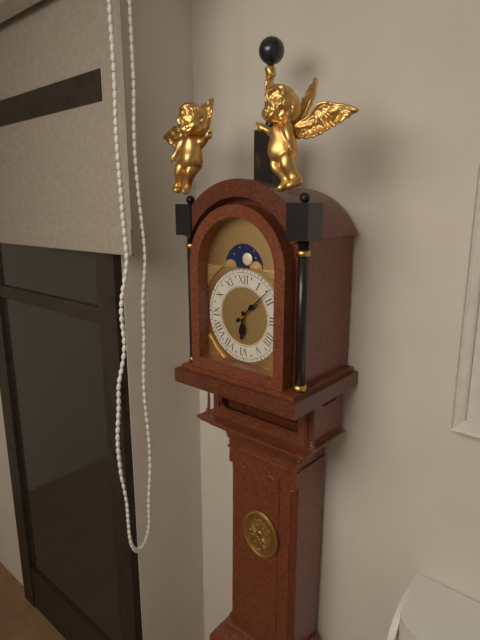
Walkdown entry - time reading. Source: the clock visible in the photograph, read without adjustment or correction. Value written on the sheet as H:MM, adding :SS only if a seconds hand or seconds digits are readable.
6:08
